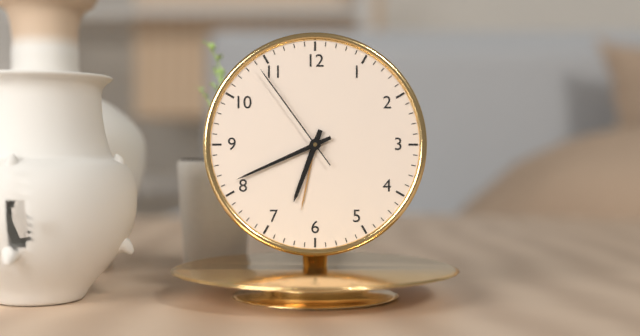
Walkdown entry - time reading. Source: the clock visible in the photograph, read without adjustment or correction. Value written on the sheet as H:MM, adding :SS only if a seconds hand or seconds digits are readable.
6:41:54
